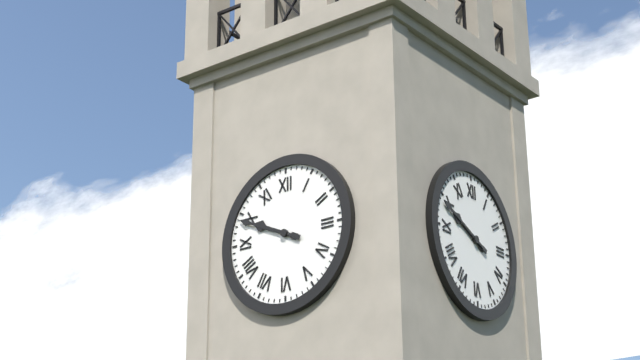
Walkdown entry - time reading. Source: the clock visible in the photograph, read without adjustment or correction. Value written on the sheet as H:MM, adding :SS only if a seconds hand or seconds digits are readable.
9:49
